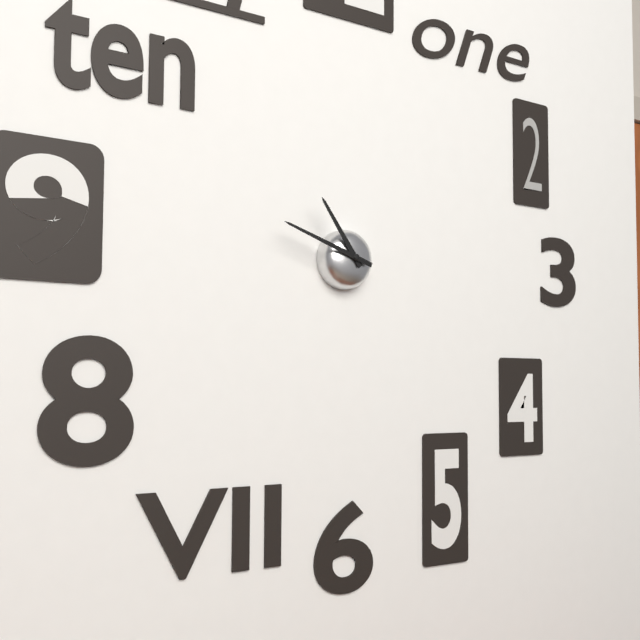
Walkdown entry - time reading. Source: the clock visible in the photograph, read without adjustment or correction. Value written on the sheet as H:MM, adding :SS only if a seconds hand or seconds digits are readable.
10:48
